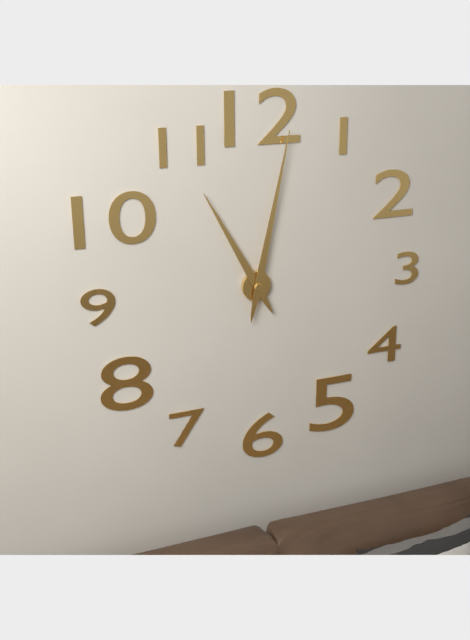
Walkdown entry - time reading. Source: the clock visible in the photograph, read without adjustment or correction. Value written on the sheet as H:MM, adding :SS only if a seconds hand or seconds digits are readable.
11:02
